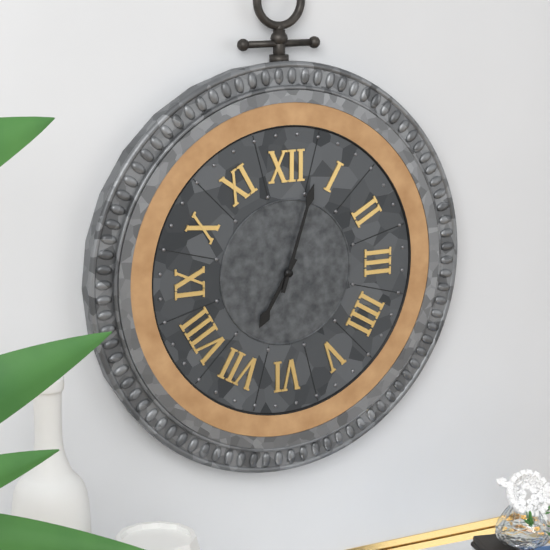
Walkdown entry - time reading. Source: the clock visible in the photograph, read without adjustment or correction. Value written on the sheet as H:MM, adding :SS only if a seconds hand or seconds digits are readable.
7:03
